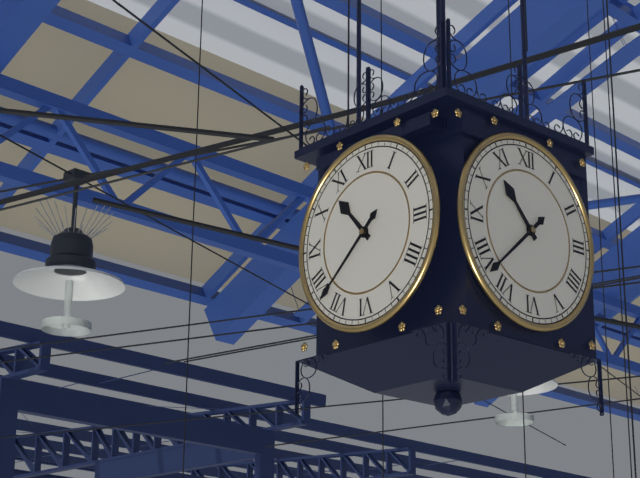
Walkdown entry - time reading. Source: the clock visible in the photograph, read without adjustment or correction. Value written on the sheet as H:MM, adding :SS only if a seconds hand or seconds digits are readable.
10:38
